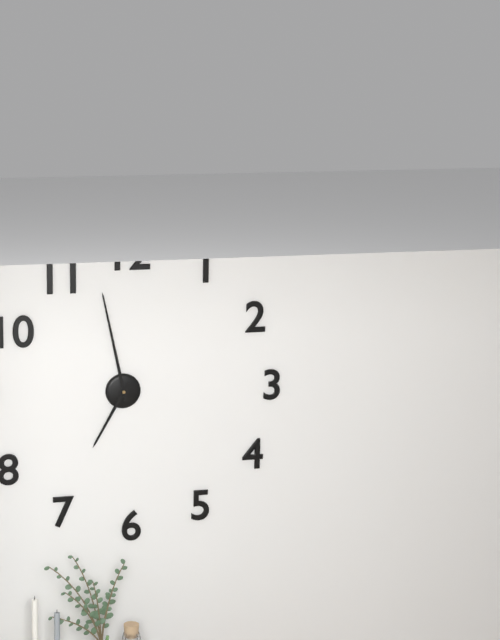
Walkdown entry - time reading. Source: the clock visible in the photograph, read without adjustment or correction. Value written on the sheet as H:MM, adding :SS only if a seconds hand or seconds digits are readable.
6:58
